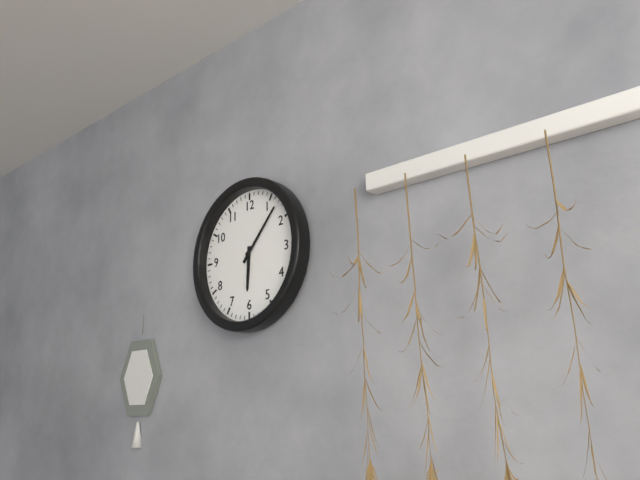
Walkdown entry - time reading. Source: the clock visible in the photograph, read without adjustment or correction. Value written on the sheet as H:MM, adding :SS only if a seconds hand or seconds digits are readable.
6:07
